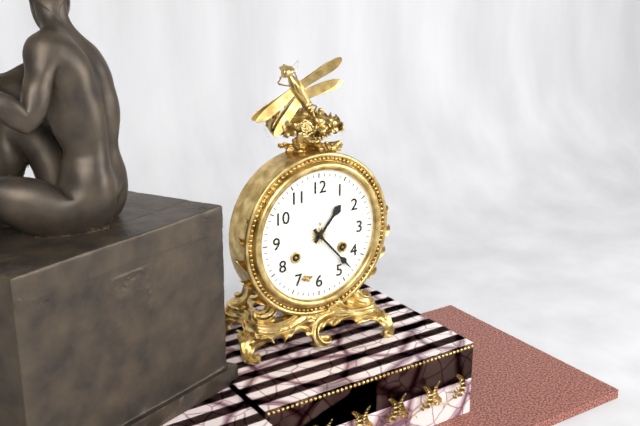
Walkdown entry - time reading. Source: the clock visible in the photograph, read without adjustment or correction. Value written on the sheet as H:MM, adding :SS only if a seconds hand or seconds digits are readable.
1:23
